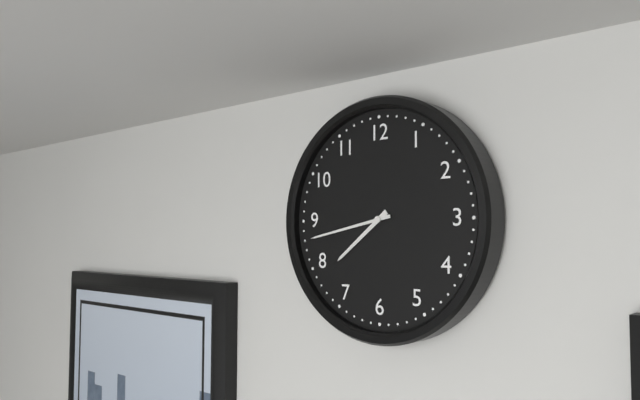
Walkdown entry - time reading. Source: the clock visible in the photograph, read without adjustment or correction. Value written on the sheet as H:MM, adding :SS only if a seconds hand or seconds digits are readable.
7:43
